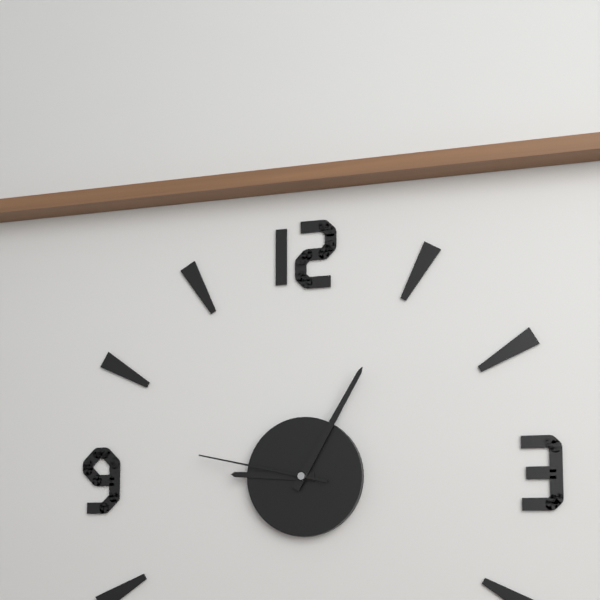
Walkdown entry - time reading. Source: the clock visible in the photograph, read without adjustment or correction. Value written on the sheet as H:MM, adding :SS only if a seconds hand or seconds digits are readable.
9:05:47
